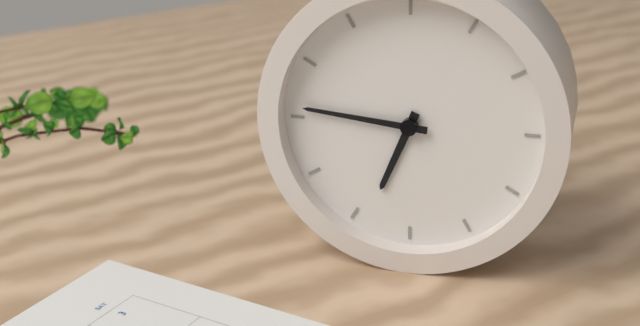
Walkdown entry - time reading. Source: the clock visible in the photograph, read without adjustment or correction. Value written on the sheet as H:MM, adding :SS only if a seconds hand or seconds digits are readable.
6:46
